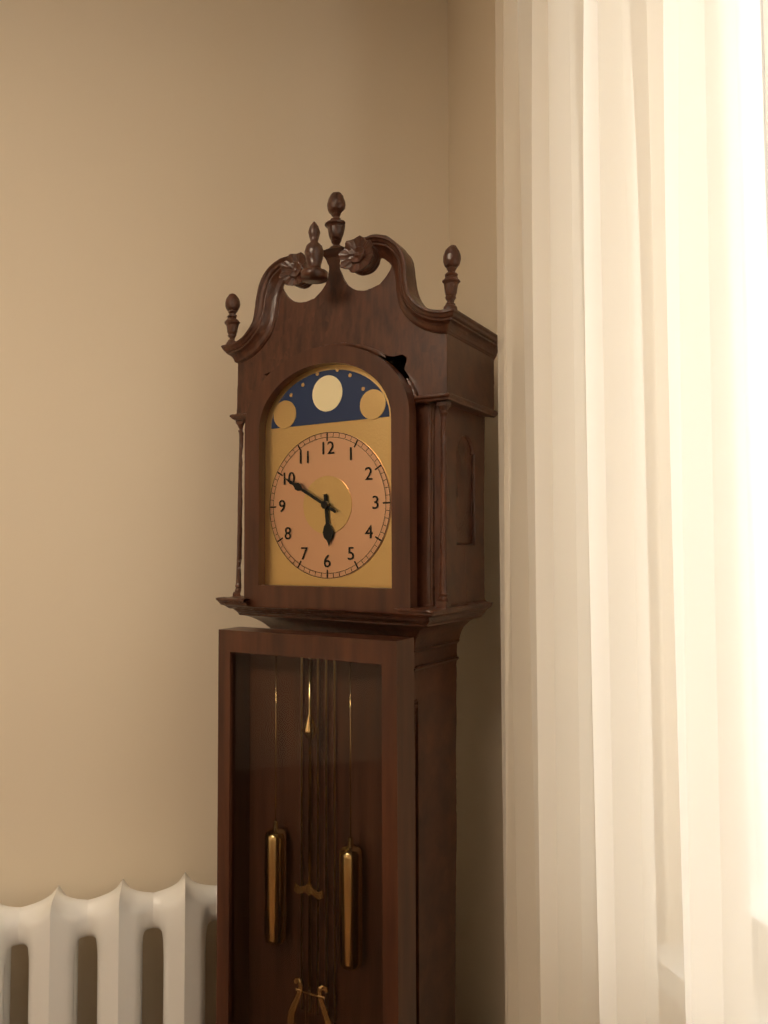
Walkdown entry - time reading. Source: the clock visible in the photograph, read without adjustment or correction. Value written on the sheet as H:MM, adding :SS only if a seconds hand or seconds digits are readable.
5:50
